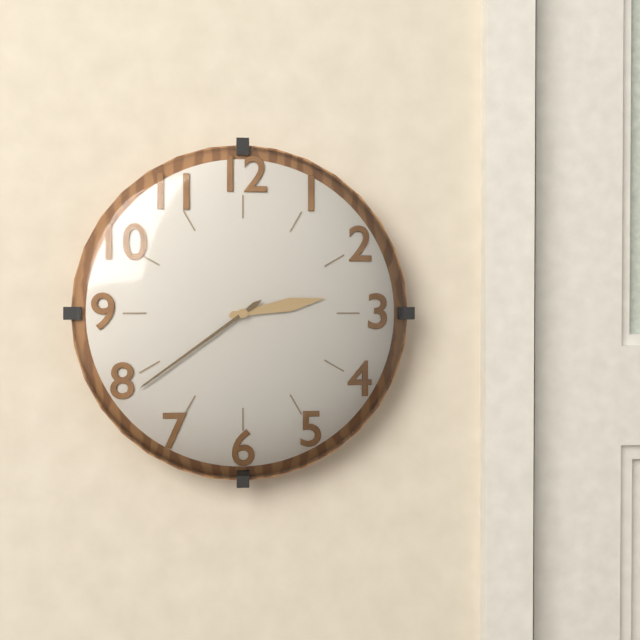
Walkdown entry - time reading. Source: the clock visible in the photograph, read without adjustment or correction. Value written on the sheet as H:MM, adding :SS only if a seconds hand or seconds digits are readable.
2:39
